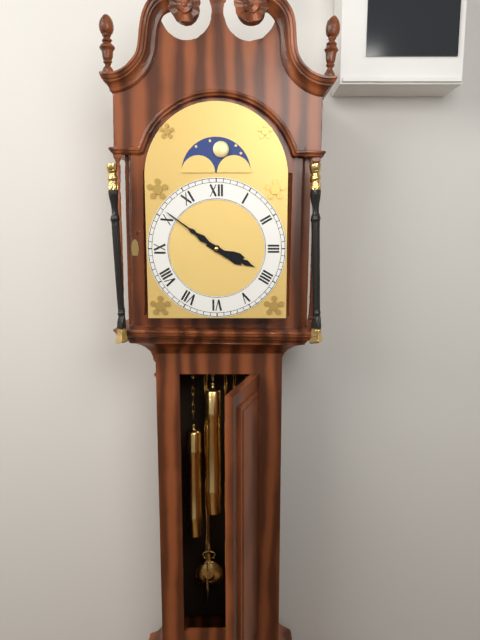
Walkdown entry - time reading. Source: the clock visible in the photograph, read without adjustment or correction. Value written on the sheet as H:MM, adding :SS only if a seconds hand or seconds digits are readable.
3:51
